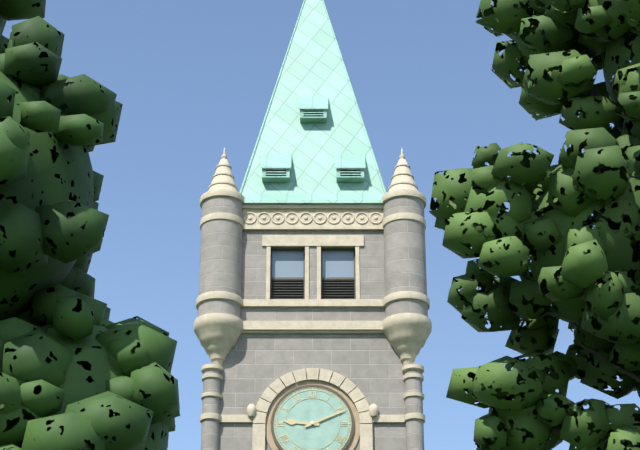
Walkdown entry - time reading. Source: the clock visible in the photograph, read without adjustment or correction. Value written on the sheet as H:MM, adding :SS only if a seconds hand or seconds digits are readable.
9:11
